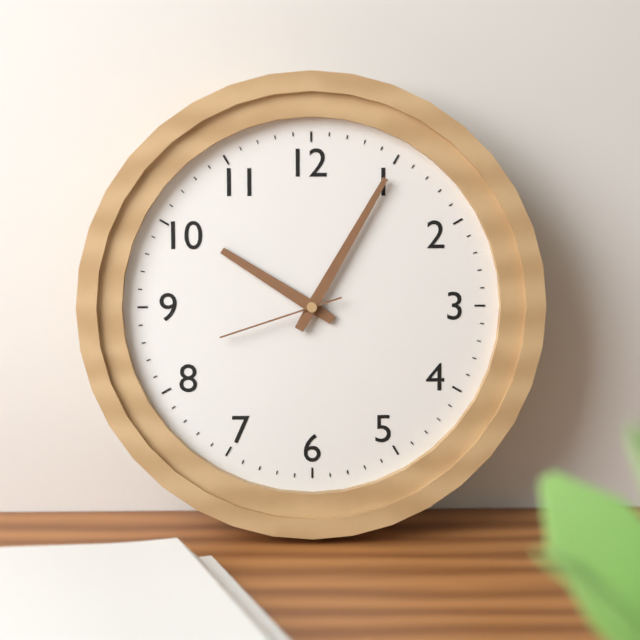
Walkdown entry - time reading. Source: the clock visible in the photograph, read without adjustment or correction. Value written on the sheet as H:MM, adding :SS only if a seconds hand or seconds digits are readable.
10:05:42
